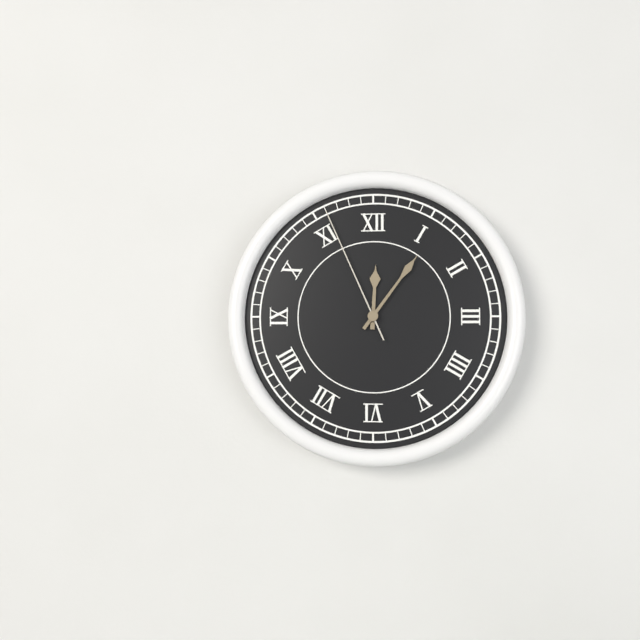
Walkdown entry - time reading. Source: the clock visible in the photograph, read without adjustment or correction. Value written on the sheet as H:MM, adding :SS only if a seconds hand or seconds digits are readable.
12:06:56
